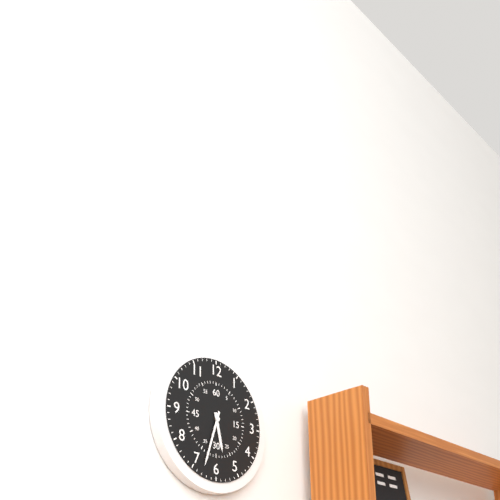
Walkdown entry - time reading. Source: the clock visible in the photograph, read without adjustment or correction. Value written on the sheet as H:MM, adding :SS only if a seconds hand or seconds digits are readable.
5:33
